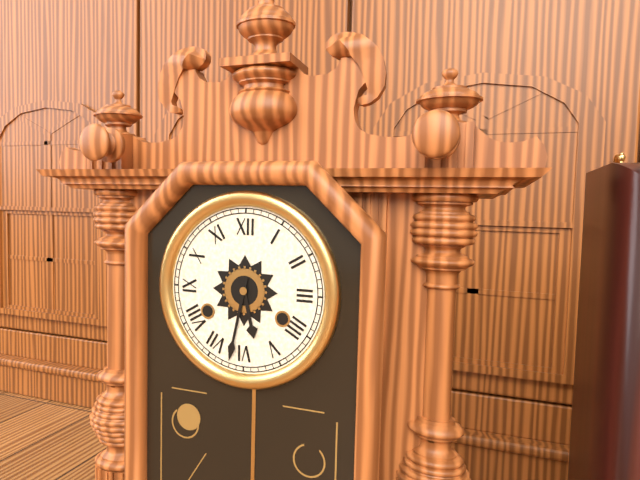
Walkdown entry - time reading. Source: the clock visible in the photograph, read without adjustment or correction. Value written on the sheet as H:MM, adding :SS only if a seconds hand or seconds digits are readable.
5:32
